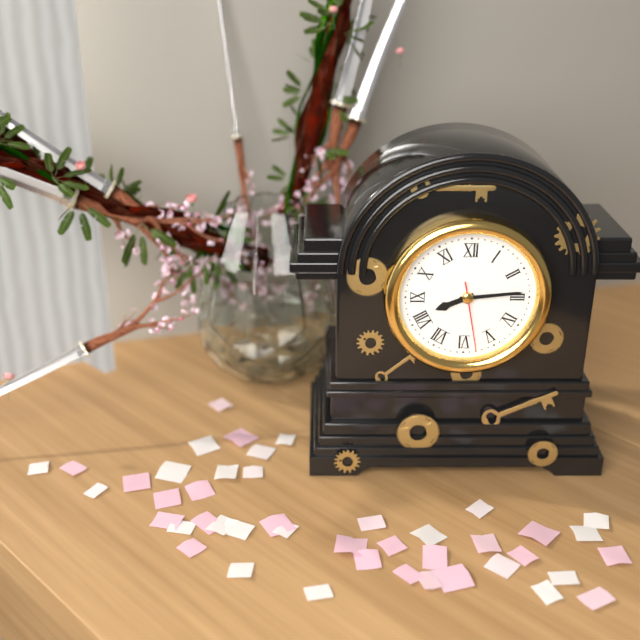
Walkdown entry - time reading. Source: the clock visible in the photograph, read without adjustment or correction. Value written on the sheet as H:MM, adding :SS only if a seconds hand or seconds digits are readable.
8:14:28
